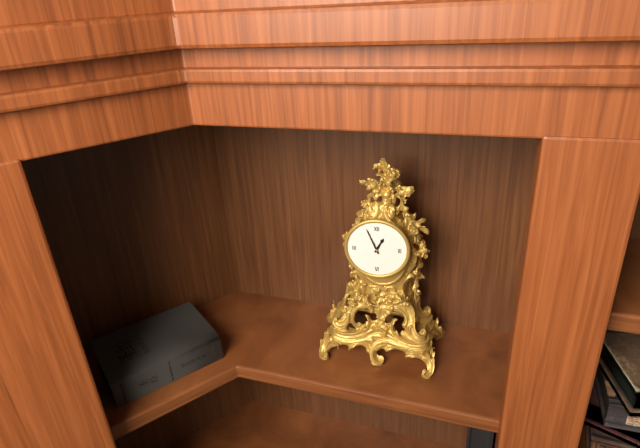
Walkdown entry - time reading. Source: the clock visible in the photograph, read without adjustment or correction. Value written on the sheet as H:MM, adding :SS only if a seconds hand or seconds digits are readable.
12:56
